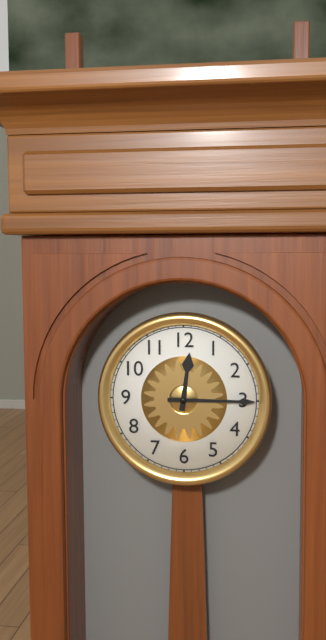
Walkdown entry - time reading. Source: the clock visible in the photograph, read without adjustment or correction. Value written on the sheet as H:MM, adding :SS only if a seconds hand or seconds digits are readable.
12:15
